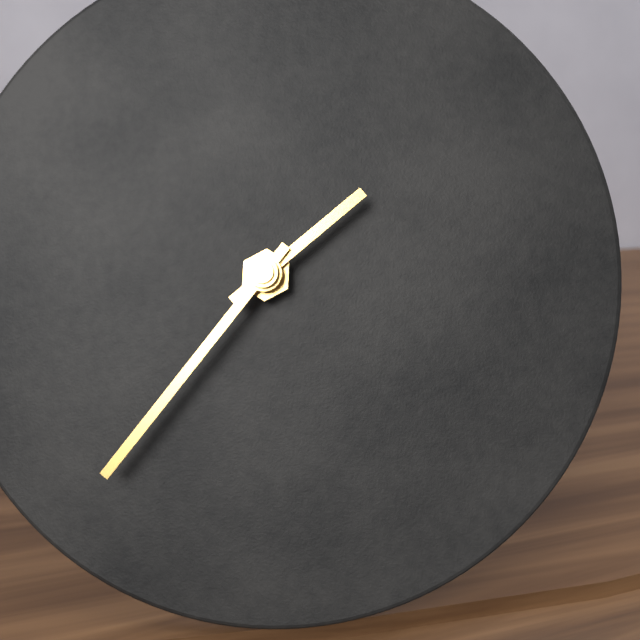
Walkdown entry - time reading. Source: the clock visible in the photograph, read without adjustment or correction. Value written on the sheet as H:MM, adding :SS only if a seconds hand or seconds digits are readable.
1:36
